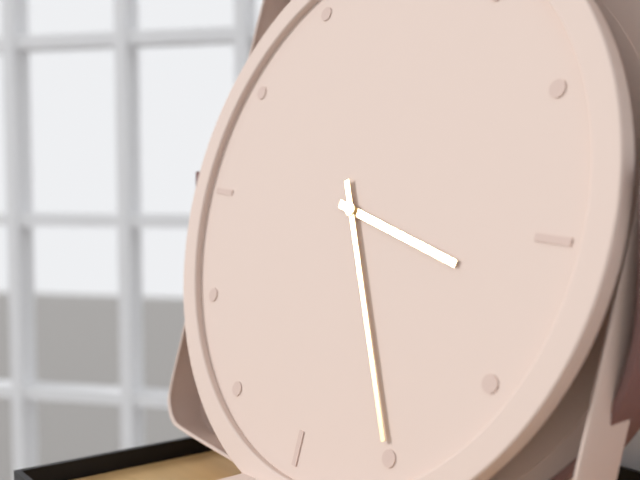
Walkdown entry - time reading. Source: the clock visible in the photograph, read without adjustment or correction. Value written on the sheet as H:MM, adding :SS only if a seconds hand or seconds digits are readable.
3:25
